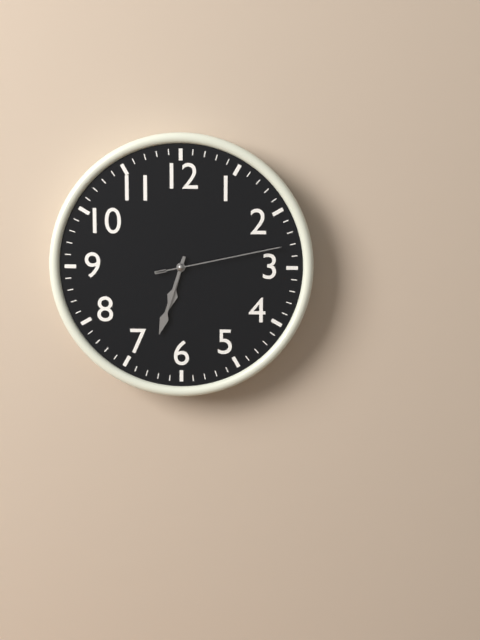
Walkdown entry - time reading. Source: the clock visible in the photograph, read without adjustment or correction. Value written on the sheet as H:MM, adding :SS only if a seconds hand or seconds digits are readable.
6:33:13
